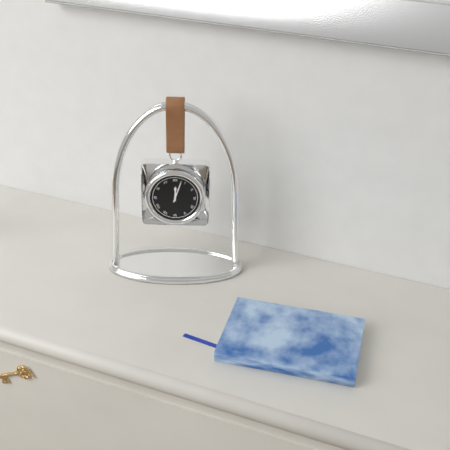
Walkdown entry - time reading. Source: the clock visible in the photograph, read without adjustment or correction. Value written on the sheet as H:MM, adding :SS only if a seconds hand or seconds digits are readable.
12:03
